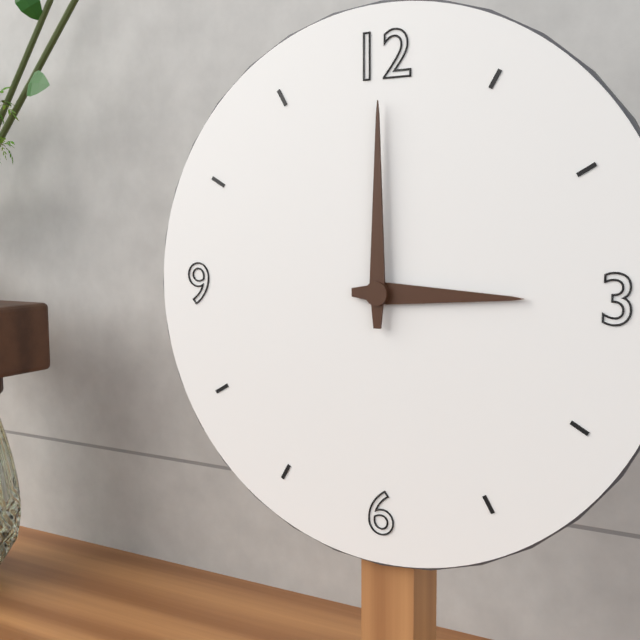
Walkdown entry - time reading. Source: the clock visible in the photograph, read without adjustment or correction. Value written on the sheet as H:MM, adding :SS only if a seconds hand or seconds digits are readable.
3:00
